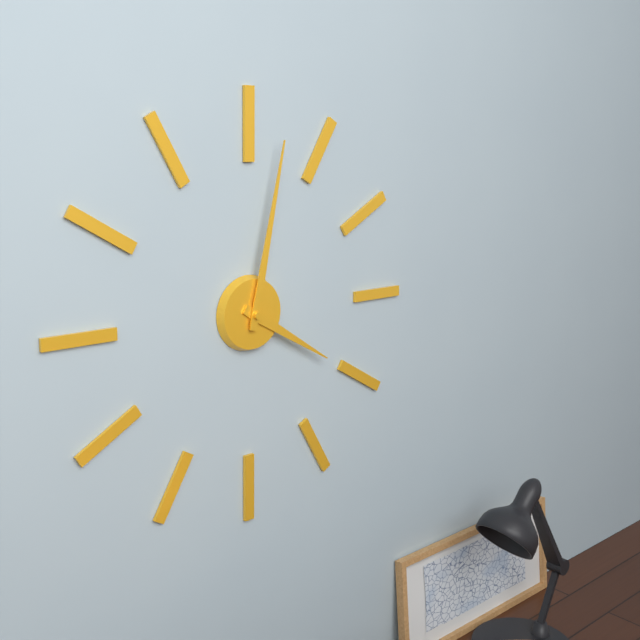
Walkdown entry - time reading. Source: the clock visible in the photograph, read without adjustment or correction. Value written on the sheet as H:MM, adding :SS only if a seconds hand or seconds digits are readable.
4:02
